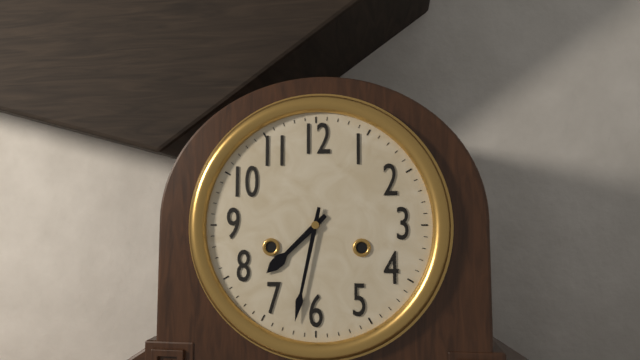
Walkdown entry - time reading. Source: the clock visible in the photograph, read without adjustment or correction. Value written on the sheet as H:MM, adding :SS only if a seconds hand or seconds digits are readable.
7:32
